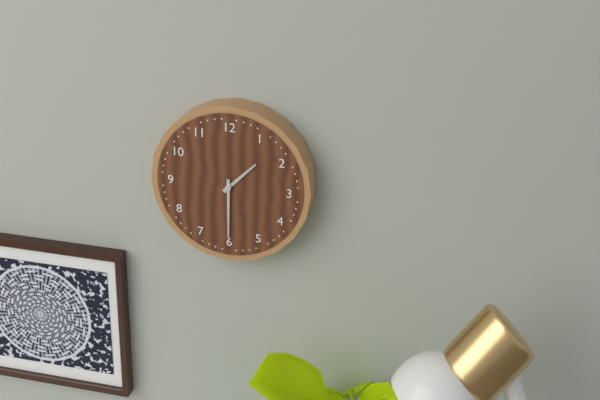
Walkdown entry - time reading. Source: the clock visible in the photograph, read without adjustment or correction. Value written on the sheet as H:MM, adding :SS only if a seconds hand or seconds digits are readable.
1:30
